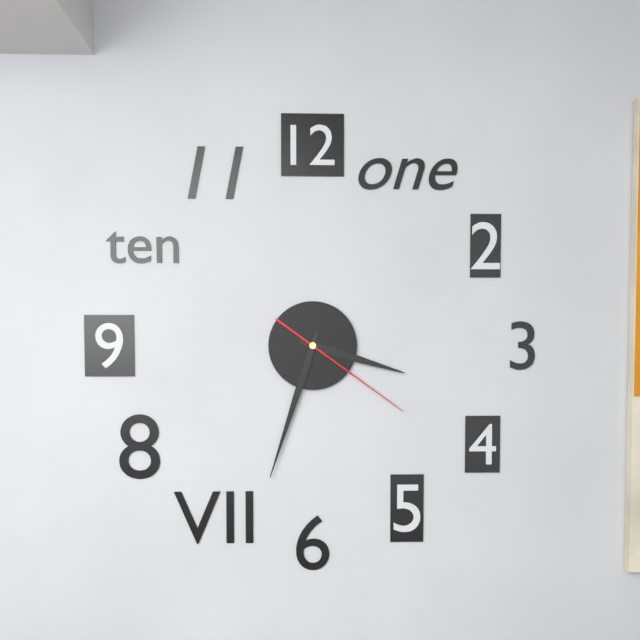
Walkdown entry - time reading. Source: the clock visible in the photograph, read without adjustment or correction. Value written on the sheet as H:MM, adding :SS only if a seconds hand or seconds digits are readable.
3:33:21
